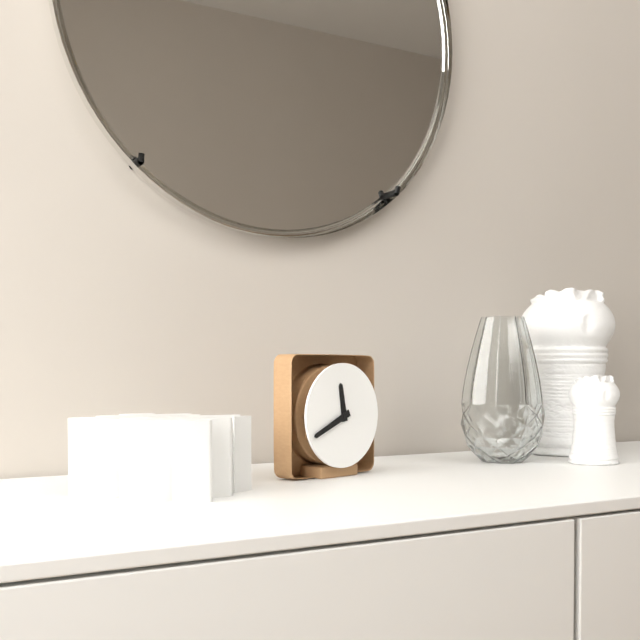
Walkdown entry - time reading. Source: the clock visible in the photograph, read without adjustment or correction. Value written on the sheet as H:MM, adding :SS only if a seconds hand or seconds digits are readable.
11:41
